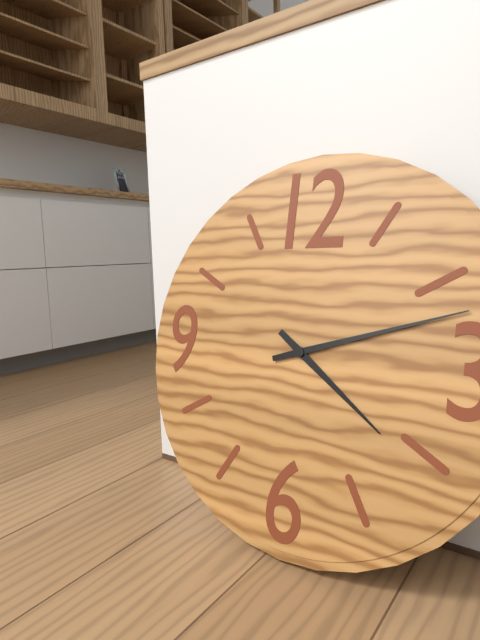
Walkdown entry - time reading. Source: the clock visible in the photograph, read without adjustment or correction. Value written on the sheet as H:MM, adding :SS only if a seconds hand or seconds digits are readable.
4:12
